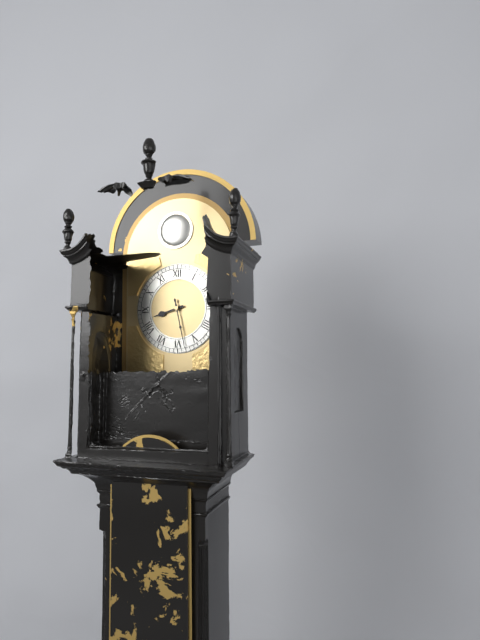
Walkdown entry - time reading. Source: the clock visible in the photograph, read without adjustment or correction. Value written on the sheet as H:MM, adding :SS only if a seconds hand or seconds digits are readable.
8:28
